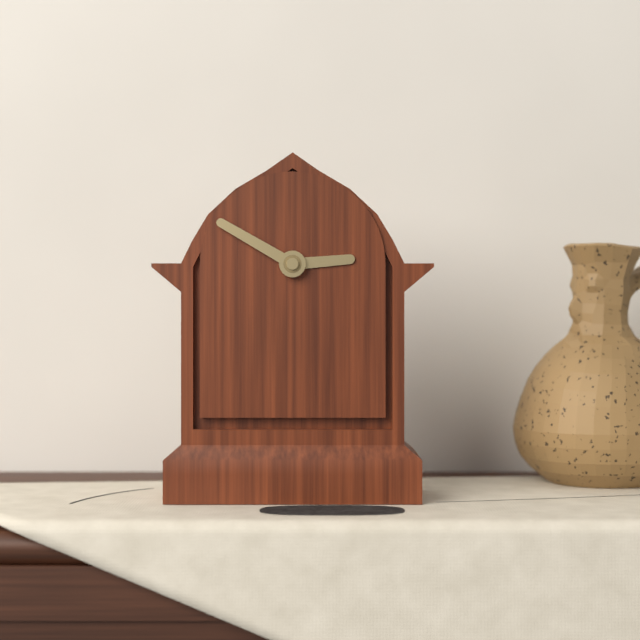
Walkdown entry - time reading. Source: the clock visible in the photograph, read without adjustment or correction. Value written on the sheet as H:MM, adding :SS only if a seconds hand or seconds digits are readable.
2:50
